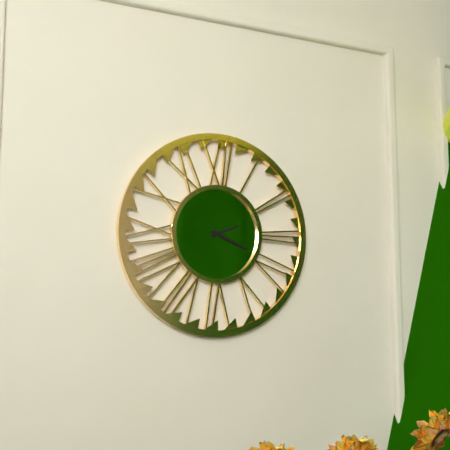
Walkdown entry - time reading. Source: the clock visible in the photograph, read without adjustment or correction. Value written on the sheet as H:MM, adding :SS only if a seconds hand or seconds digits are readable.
2:19
